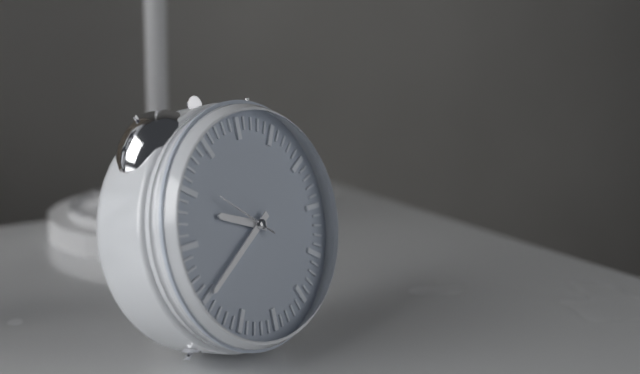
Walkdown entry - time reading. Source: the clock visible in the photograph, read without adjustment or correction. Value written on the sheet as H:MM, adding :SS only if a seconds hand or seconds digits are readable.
9:40:51
